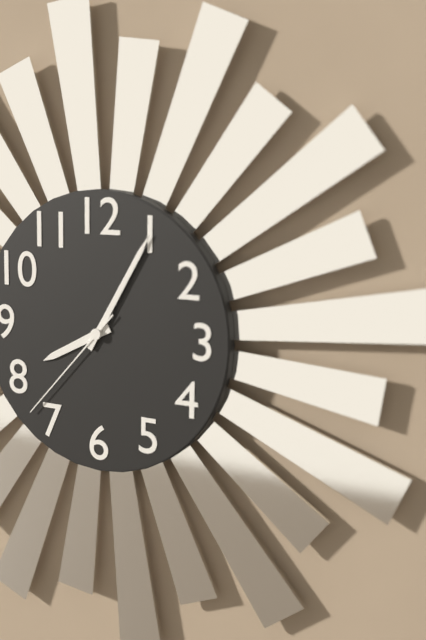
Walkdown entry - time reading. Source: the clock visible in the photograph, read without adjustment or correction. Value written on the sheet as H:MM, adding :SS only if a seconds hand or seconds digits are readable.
8:05:37
